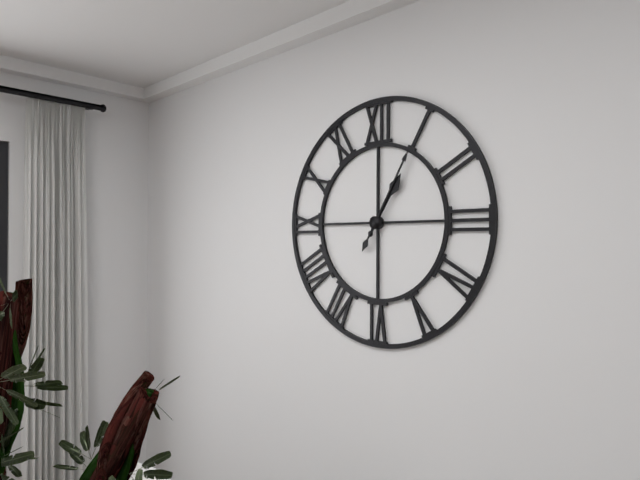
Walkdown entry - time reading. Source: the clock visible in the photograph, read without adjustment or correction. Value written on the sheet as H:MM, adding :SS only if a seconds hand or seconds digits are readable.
1:05
